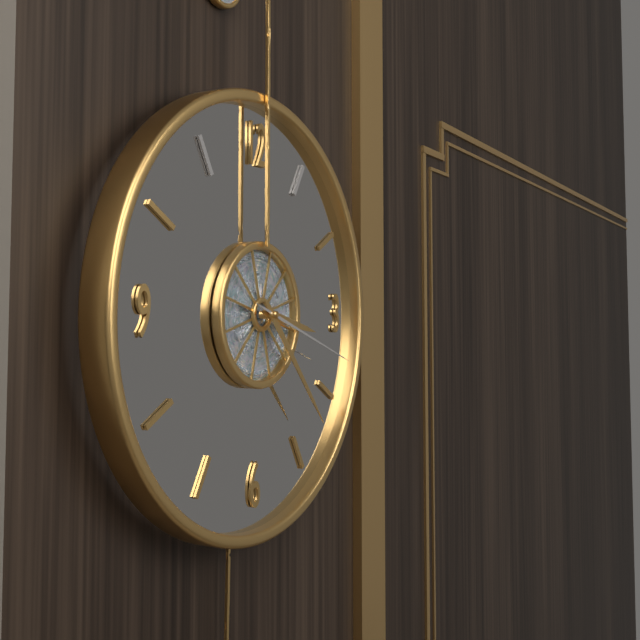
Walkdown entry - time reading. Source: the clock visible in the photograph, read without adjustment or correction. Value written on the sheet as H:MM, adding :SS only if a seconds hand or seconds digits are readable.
3:23:18
